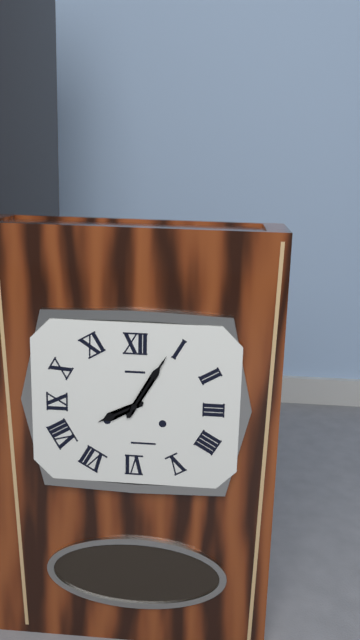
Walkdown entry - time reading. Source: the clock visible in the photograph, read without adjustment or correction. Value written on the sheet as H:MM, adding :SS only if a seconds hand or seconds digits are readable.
8:05
